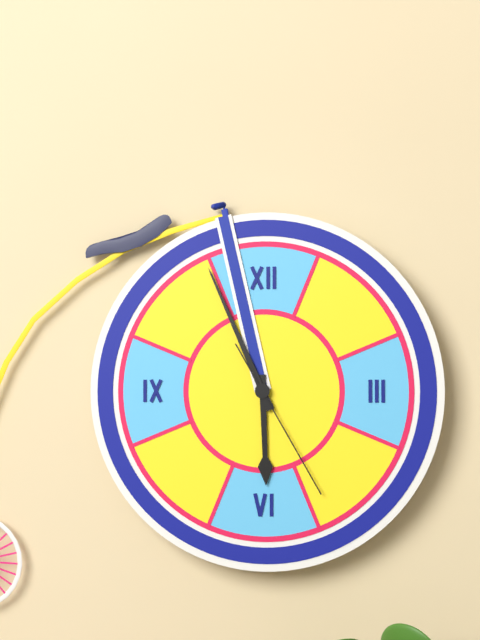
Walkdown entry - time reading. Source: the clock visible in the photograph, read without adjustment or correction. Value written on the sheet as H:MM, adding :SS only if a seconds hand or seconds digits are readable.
5:56:25
